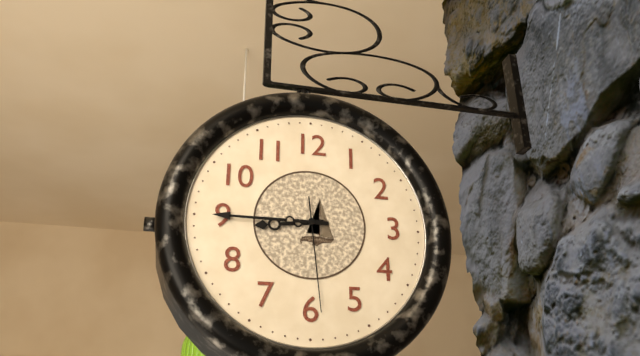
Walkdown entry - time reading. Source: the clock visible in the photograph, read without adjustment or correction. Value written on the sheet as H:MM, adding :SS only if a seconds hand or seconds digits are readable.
8:45:29
